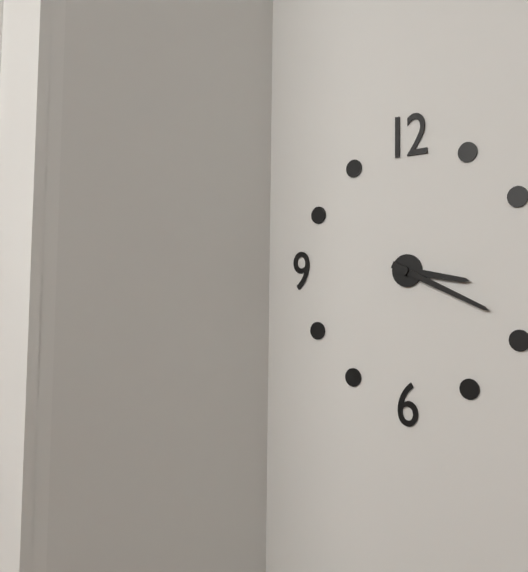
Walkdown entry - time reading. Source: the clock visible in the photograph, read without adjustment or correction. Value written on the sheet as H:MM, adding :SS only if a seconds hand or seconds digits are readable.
3:19
